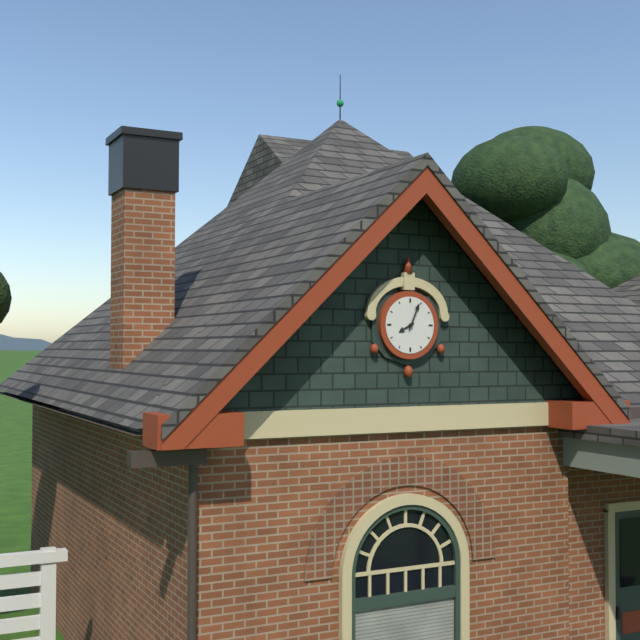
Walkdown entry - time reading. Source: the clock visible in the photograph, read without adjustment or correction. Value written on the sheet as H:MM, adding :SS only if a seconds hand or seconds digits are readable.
8:04
